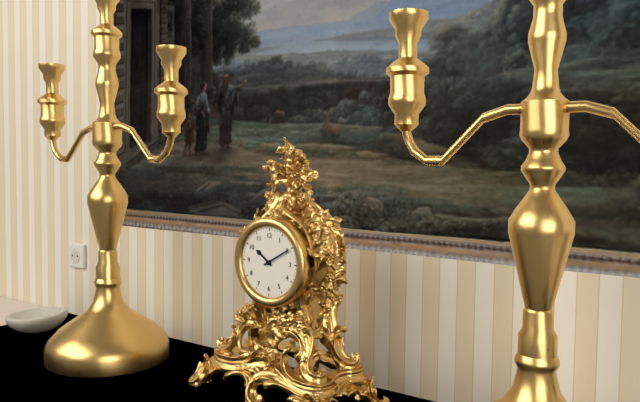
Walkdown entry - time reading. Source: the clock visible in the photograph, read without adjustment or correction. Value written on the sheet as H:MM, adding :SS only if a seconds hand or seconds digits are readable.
10:10
